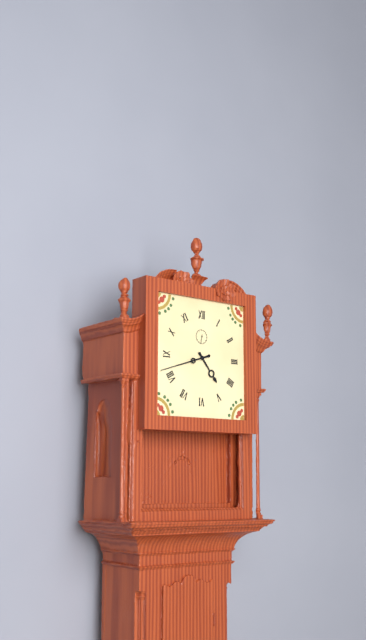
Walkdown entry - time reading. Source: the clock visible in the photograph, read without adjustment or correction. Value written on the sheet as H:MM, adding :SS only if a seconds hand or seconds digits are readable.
4:42
